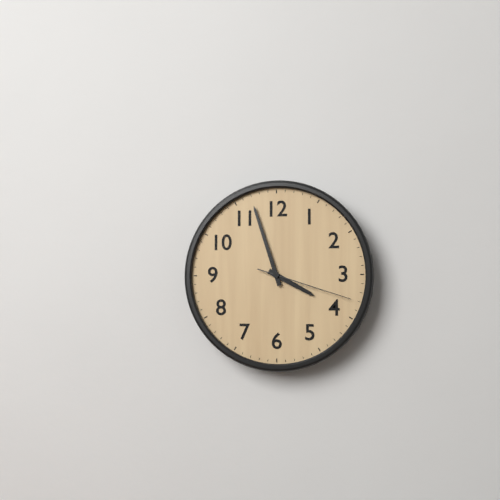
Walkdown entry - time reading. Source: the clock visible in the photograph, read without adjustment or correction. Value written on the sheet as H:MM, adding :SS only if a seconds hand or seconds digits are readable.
3:57:18
